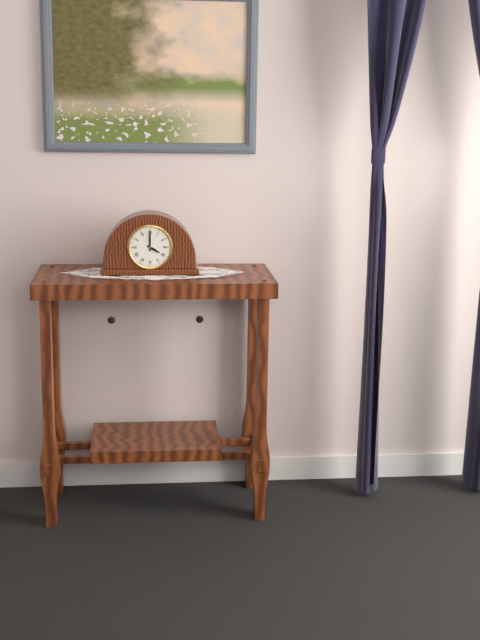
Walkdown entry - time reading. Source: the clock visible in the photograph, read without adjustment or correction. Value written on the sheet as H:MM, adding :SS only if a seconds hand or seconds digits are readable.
4:00
